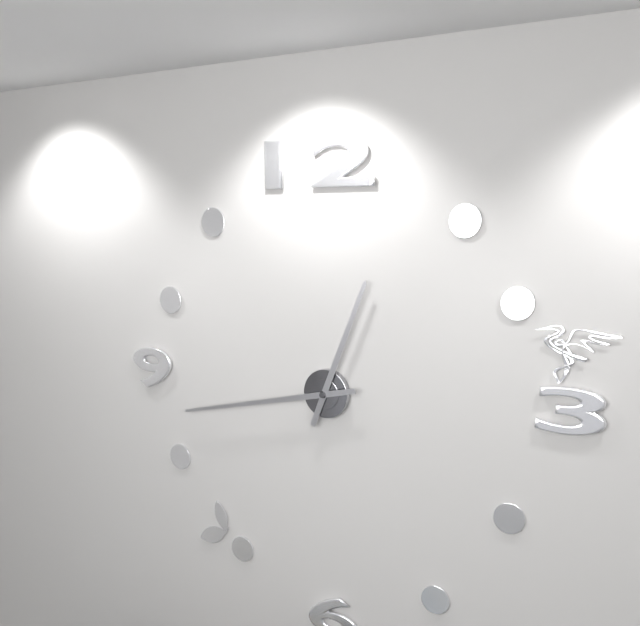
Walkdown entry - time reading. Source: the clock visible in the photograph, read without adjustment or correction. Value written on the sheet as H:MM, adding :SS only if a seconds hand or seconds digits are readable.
12:43
